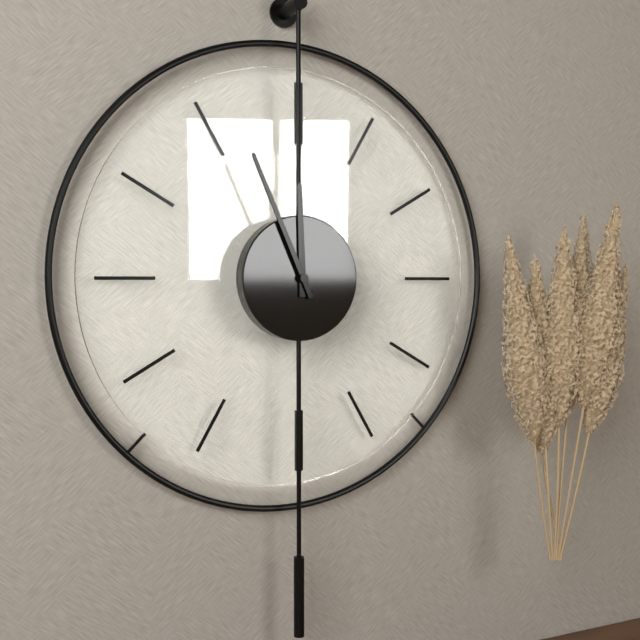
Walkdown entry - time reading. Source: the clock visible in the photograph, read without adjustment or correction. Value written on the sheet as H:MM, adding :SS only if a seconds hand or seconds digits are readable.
11:56
